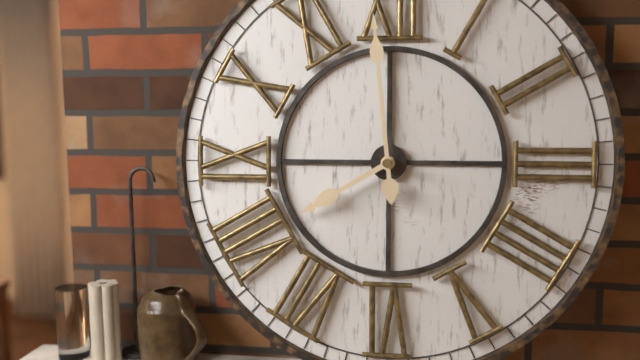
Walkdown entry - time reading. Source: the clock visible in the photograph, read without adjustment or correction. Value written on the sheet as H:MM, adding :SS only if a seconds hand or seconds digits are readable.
7:59
